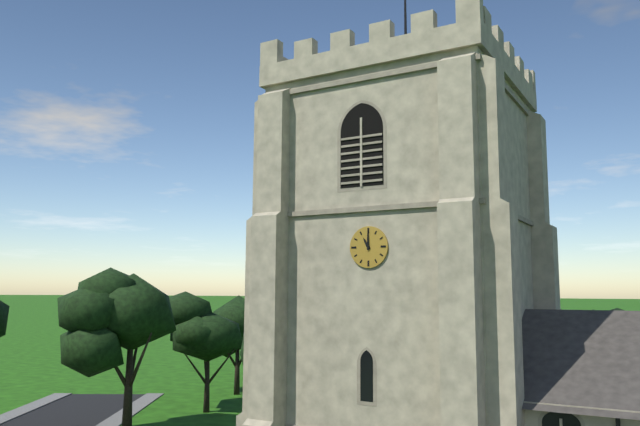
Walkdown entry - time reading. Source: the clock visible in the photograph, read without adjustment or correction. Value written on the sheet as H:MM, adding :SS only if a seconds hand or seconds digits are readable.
11:00
